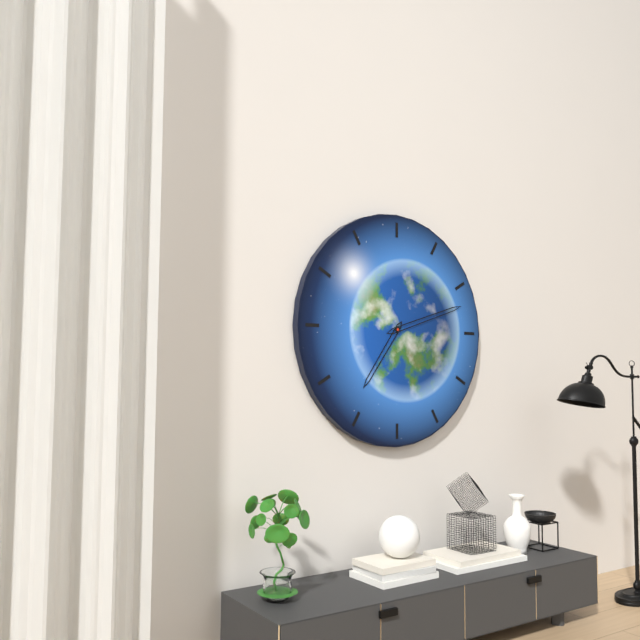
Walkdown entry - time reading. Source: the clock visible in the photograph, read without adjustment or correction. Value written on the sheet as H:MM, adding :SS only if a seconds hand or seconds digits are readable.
7:12
